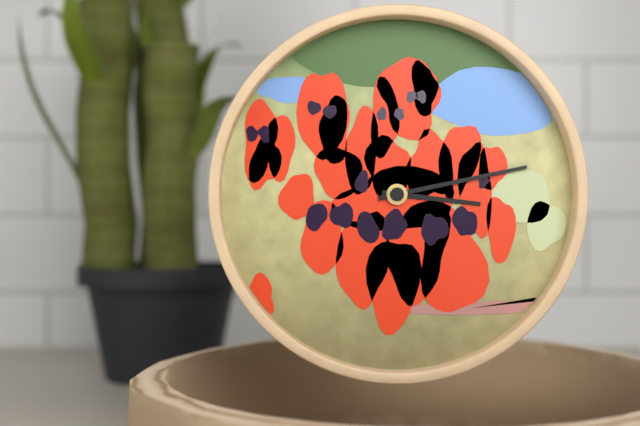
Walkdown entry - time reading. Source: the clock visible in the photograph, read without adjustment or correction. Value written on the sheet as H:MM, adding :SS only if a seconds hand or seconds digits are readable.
3:13
